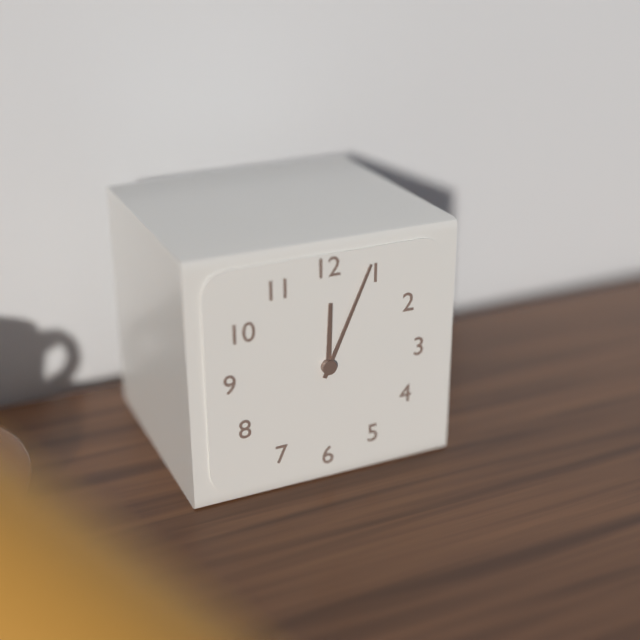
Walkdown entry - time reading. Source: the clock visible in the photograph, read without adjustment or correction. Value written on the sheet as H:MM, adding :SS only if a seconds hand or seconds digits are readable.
12:04
